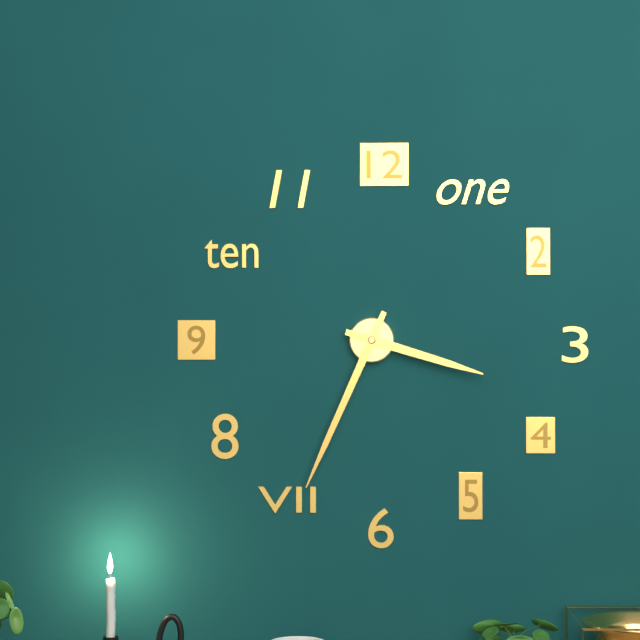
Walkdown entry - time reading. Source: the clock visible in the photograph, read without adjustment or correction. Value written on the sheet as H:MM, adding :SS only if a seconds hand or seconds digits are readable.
3:34
